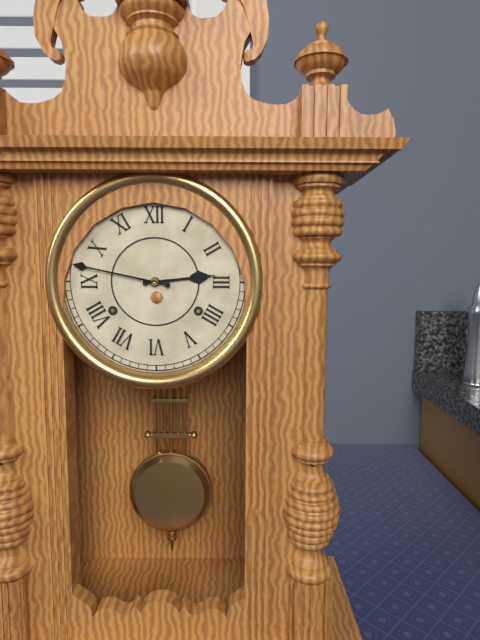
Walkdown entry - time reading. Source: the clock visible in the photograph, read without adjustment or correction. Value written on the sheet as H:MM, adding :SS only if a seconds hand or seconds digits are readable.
2:47
